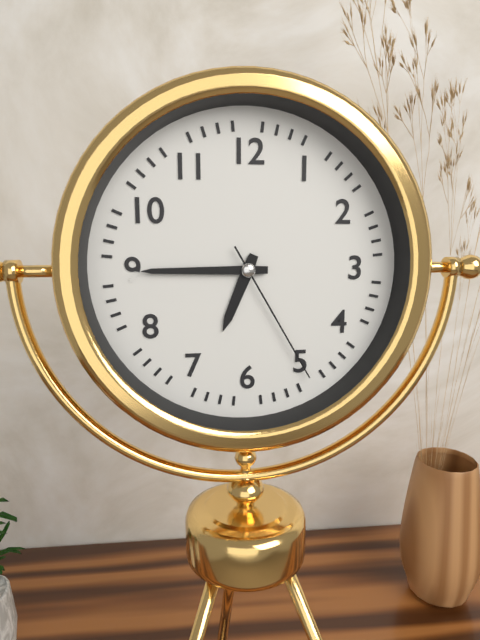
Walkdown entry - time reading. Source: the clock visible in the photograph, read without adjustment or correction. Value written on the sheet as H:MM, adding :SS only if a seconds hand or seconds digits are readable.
6:45:25
